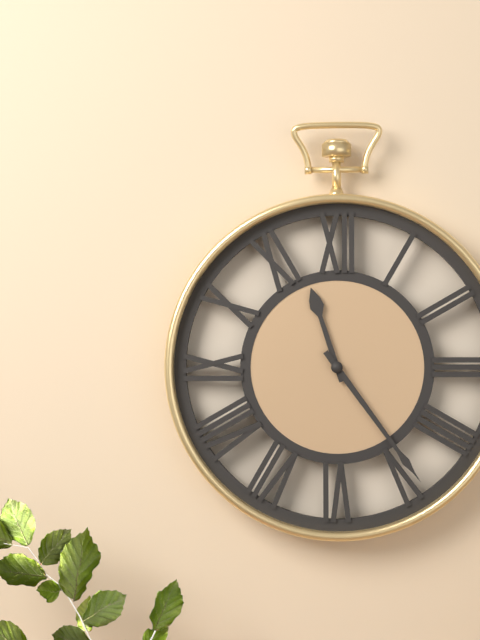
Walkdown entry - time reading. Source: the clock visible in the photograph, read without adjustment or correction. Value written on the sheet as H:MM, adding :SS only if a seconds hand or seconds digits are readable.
11:24
